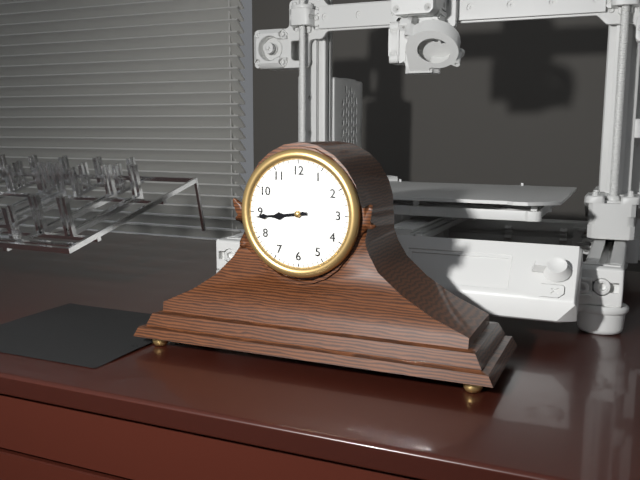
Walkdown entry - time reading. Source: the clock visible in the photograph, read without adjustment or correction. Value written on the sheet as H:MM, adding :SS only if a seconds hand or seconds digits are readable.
8:44
